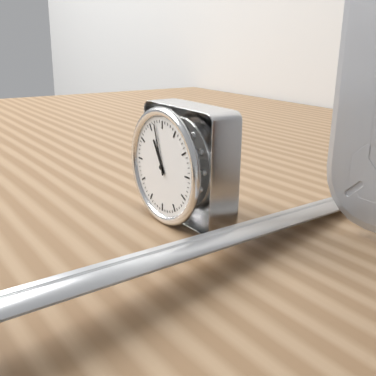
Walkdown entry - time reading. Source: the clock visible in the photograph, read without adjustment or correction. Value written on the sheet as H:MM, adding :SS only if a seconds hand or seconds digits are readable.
10:57
